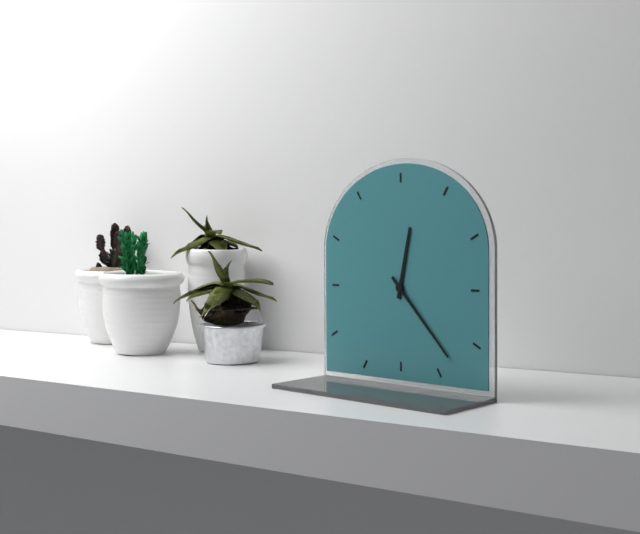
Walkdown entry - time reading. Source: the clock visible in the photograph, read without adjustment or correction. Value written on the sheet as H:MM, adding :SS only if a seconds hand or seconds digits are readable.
12:23
